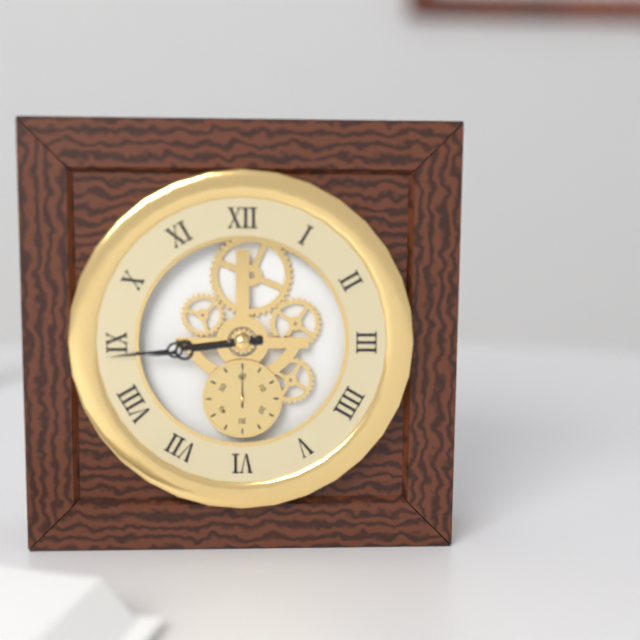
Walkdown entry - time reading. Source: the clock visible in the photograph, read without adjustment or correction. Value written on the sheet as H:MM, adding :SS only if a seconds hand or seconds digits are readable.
8:44
